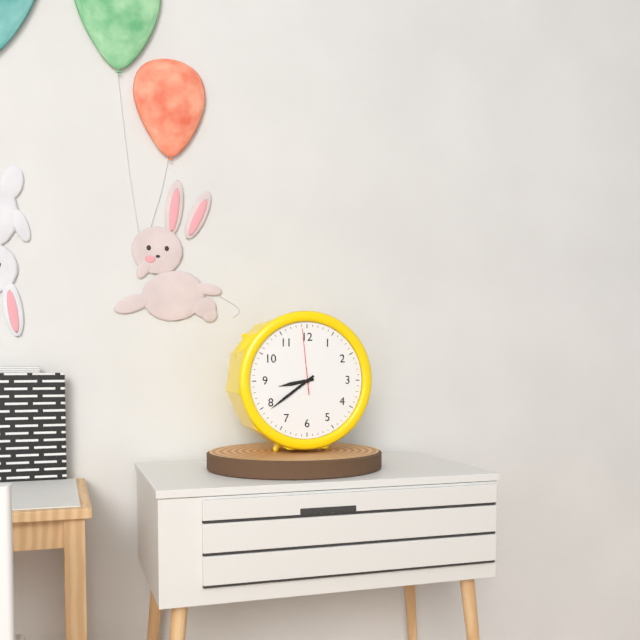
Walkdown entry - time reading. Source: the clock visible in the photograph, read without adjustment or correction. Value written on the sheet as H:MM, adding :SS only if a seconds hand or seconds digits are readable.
8:39:59
